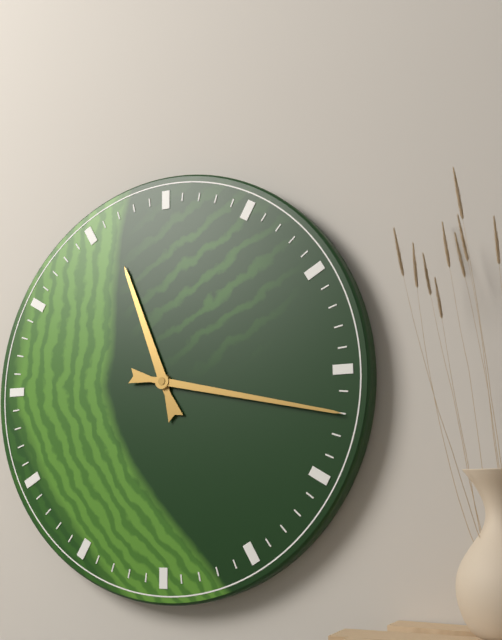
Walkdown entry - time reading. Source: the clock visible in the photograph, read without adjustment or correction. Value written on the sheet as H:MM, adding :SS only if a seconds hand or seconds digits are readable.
11:17
